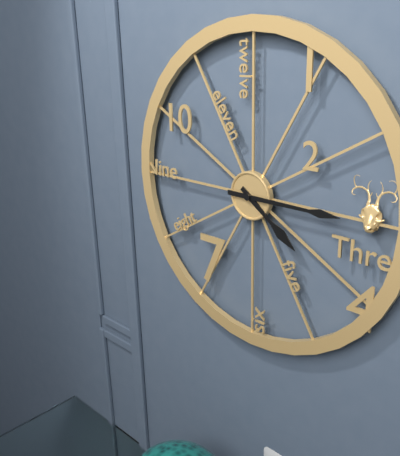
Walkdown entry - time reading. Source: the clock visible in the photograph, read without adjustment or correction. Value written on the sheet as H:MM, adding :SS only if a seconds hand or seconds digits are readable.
4:15
